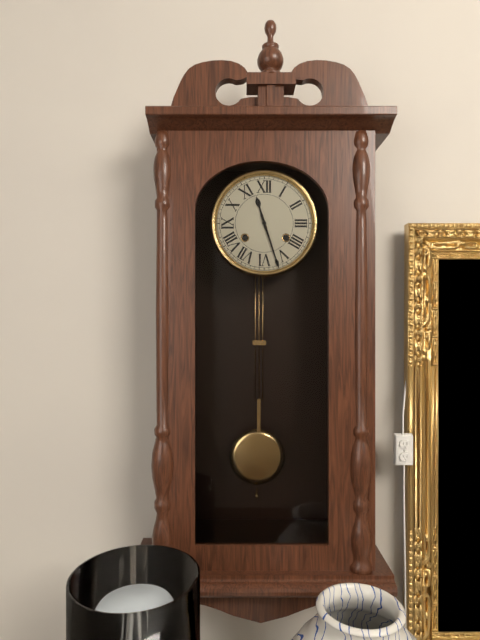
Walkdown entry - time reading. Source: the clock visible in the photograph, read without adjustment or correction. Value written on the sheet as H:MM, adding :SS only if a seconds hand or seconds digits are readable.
11:27
